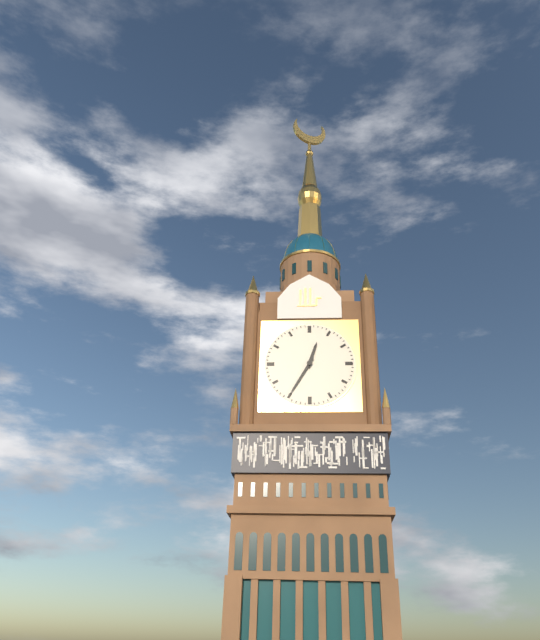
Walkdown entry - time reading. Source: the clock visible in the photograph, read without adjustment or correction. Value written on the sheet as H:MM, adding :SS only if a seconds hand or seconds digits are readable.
12:35
